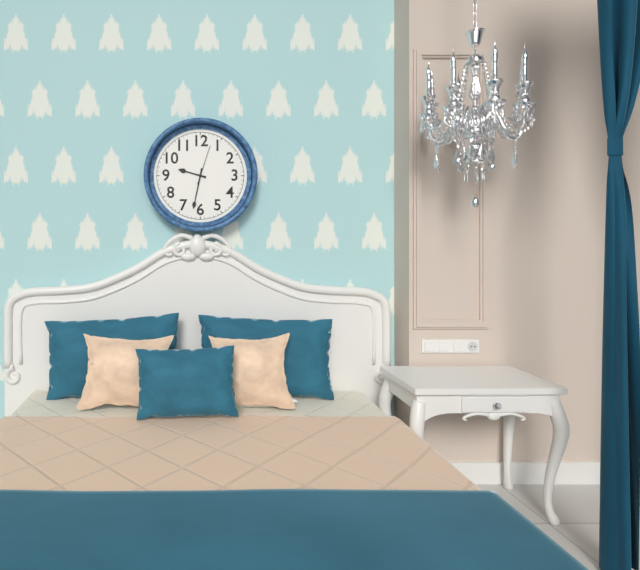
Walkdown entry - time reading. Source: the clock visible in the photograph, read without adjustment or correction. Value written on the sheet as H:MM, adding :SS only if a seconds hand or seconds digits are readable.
9:32
